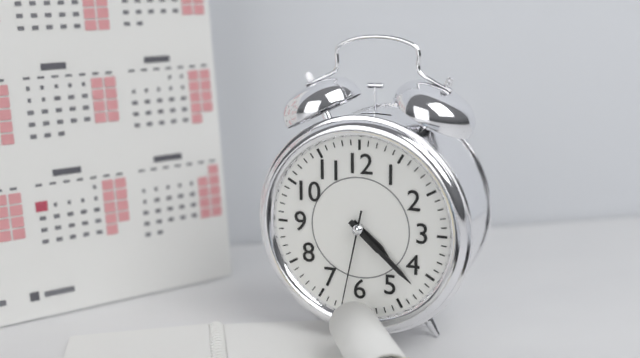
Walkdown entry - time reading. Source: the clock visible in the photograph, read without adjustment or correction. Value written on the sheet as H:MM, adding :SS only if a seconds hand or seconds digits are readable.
4:22:32
